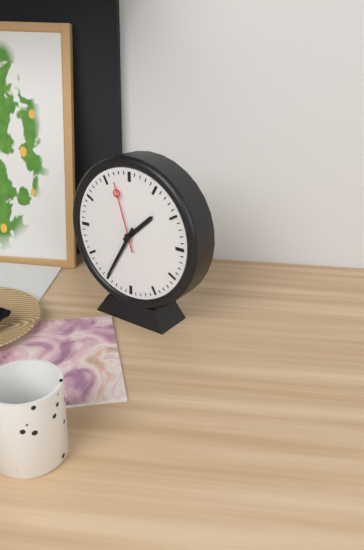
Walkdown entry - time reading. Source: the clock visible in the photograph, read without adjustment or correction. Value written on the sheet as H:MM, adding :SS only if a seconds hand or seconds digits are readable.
1:35:57
